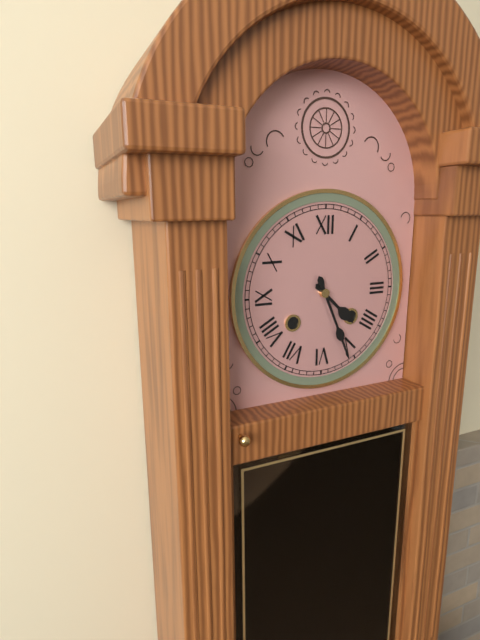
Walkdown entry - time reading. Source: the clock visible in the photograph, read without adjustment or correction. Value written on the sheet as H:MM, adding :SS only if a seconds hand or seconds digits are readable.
4:26
